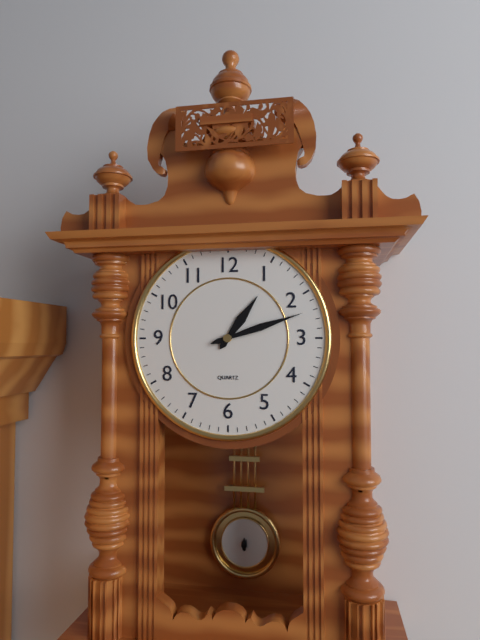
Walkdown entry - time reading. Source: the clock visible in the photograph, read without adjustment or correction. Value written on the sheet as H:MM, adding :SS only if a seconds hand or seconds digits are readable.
1:12
